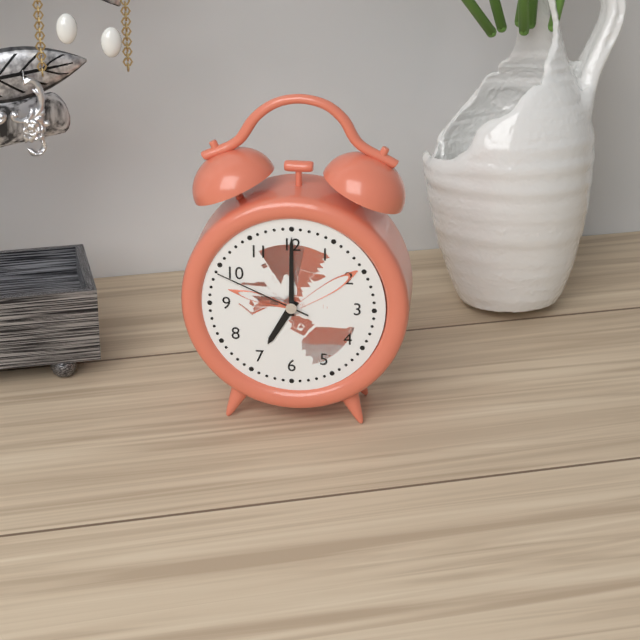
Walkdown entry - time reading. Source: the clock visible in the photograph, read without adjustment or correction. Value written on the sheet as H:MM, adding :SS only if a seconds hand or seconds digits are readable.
7:00:49
